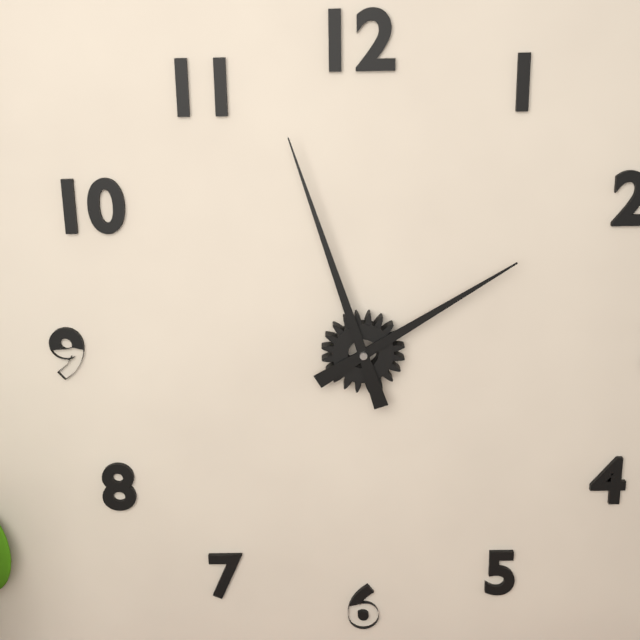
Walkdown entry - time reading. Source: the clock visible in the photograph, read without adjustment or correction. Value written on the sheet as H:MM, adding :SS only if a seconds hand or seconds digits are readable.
1:57
